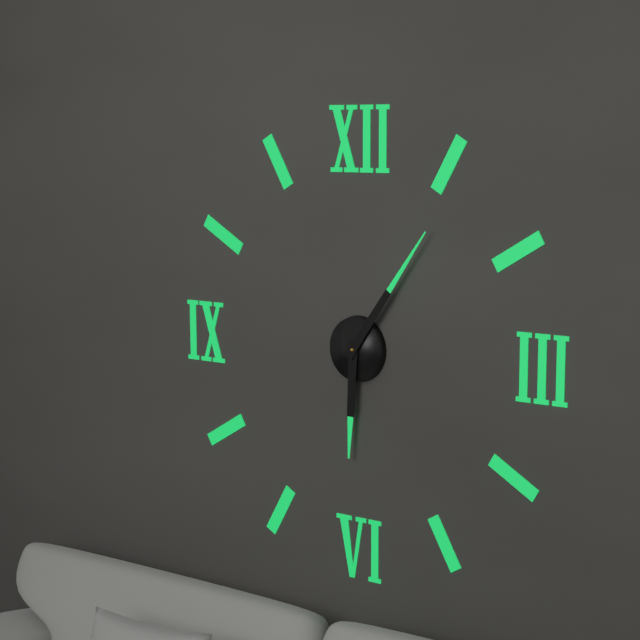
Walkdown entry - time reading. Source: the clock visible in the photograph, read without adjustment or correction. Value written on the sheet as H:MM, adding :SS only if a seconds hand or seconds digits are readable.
6:06
